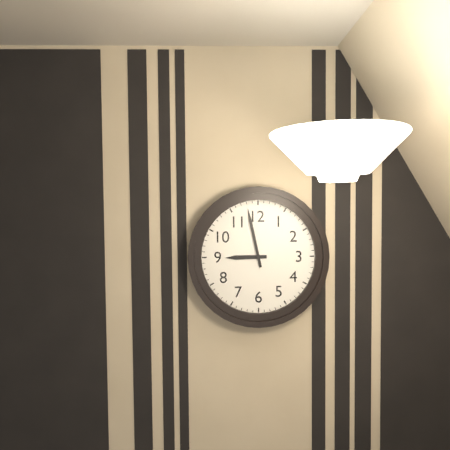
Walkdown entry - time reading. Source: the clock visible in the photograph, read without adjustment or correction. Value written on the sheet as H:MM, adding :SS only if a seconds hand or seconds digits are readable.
8:58
